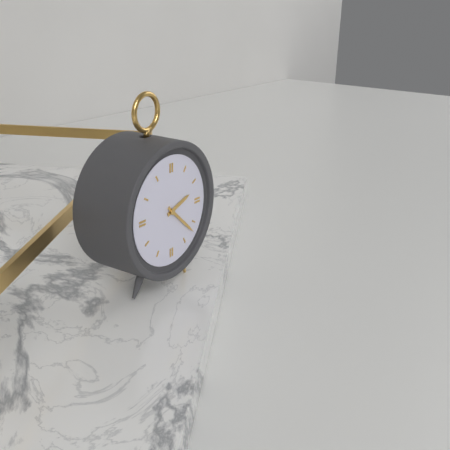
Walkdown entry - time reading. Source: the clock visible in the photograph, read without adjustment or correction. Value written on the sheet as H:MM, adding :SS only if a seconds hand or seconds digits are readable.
2:22
